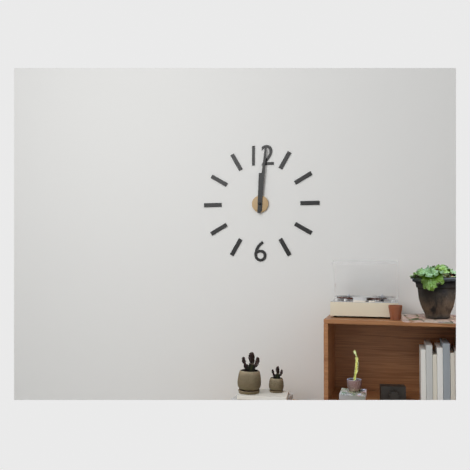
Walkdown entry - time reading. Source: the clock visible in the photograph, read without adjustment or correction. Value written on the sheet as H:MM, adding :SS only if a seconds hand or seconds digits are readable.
12:01
